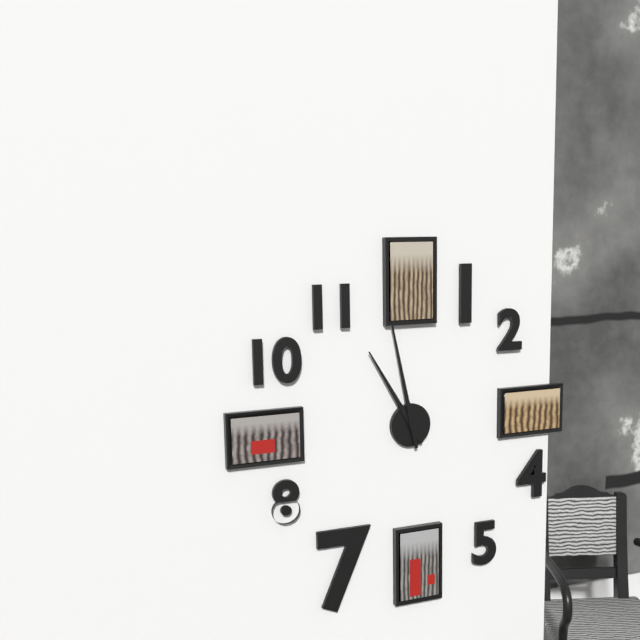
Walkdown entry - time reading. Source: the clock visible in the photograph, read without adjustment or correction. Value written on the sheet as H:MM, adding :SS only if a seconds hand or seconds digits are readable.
10:58
